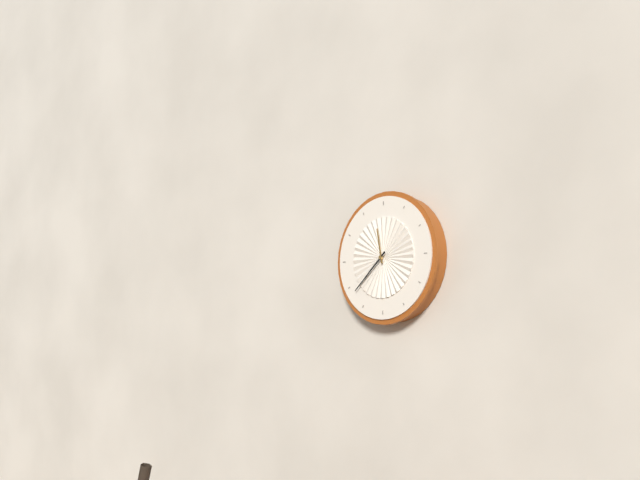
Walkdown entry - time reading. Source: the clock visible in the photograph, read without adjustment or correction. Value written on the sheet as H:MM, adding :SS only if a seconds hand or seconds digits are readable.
11:38
